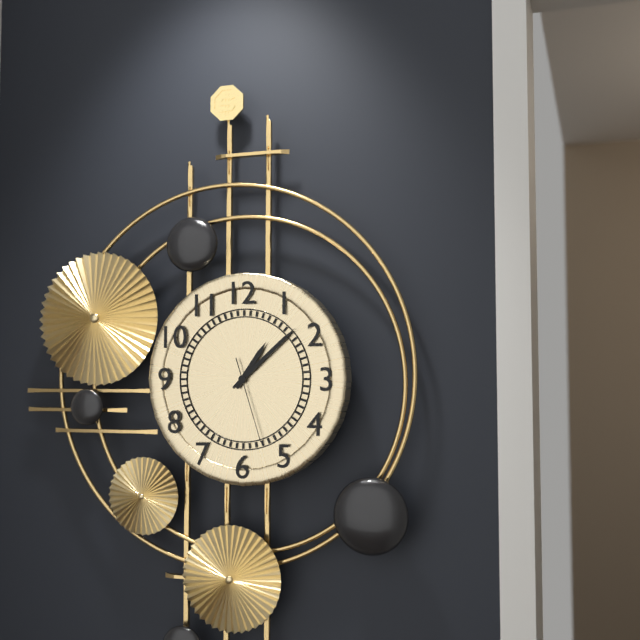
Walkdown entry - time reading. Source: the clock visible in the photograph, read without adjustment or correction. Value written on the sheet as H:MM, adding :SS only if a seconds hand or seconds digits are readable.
1:08:27
